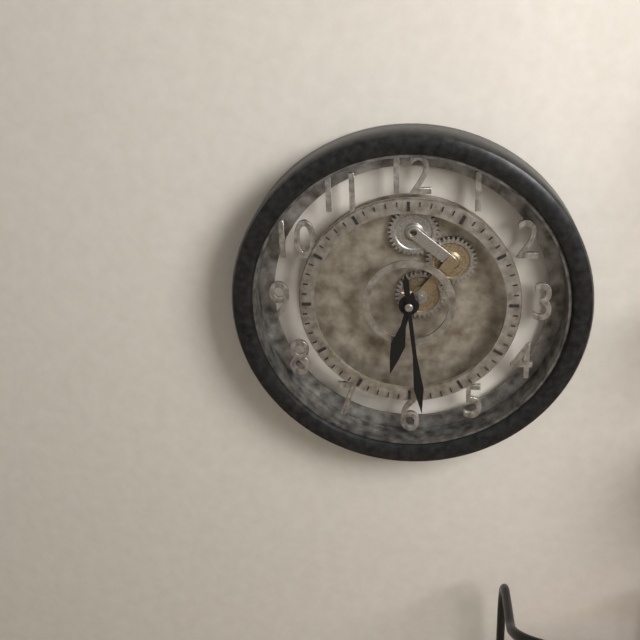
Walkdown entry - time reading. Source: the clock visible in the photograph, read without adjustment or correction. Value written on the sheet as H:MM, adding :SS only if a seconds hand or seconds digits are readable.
6:29
